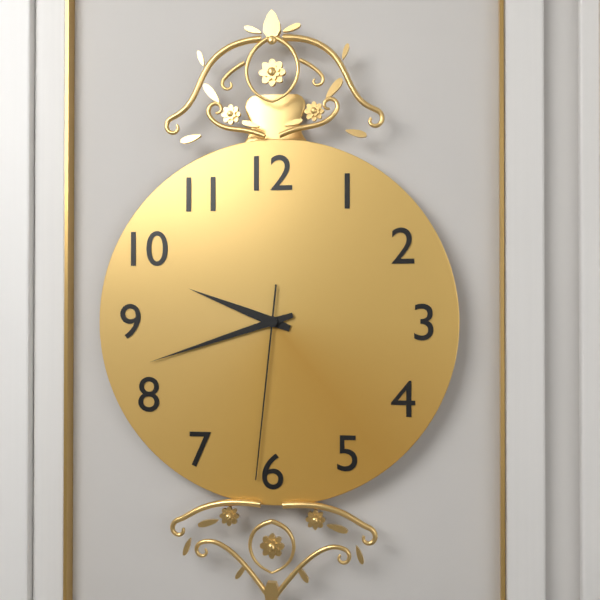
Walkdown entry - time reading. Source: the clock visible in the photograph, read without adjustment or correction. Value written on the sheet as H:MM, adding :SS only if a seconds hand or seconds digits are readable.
9:42:31
